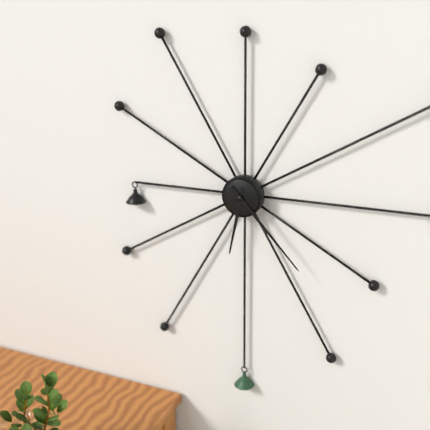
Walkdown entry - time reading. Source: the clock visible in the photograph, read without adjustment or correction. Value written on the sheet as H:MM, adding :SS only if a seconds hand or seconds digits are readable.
6:23
